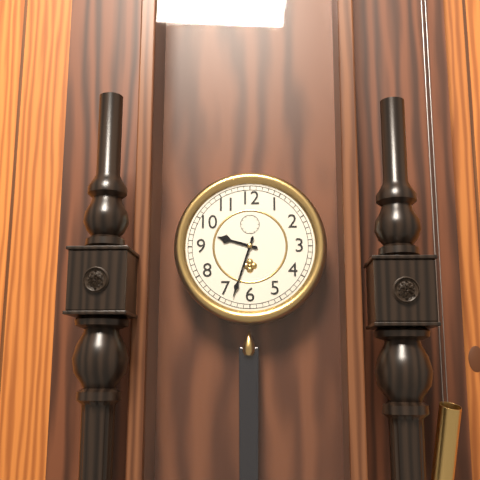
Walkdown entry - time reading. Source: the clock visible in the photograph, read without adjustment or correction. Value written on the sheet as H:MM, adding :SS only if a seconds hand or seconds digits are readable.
9:33
